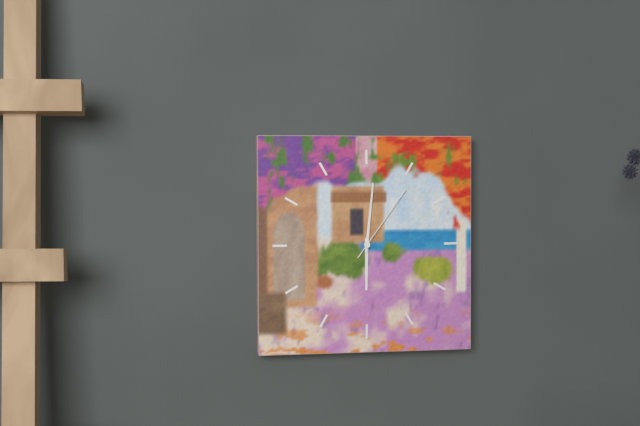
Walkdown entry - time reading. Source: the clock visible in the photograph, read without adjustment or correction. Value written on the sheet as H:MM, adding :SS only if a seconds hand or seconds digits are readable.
6:01:06
